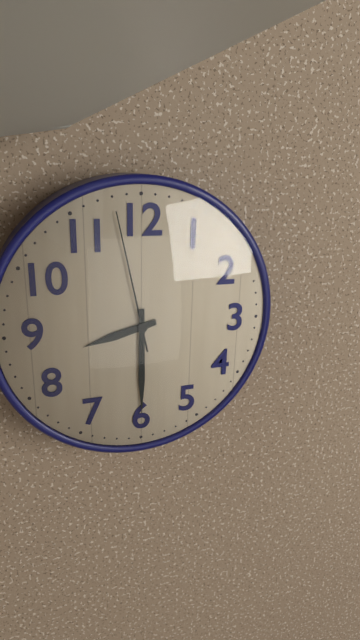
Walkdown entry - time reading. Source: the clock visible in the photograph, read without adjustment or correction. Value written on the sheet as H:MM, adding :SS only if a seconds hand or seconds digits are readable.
8:30:58
